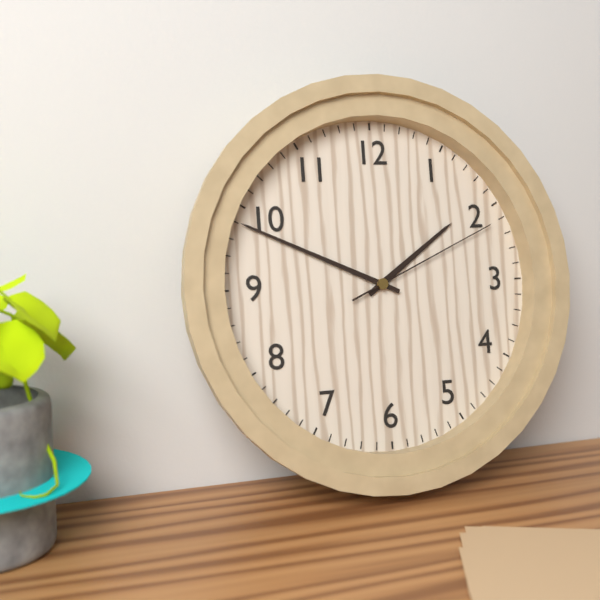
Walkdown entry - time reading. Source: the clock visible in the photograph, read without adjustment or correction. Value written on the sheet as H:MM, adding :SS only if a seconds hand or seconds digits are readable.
1:49:11
